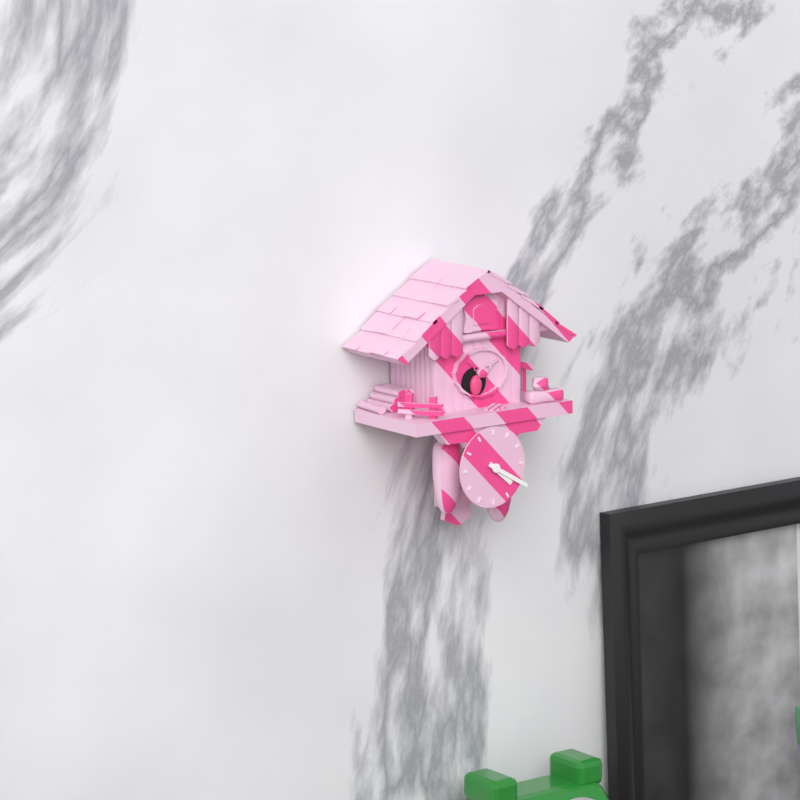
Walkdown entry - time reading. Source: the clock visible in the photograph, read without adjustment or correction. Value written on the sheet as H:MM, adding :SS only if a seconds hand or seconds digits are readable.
4:20
